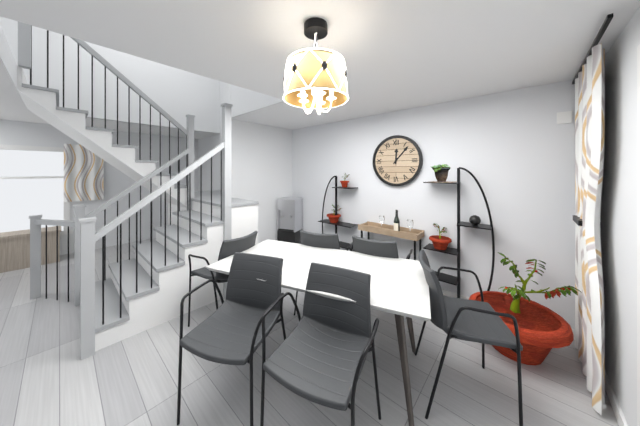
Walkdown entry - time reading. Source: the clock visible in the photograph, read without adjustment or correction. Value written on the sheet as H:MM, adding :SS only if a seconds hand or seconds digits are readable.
12:07
